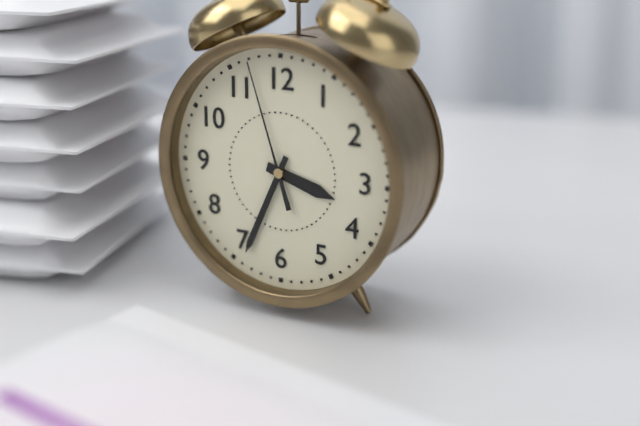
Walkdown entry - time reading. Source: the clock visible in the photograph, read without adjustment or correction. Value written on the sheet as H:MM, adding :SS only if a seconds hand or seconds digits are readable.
3:34:57
